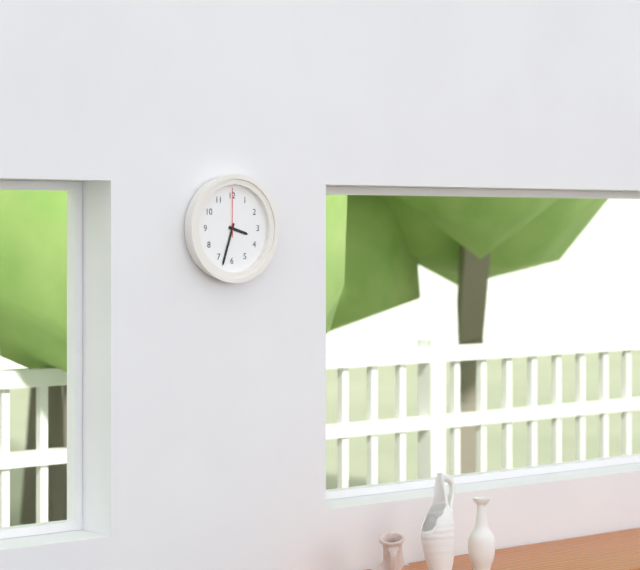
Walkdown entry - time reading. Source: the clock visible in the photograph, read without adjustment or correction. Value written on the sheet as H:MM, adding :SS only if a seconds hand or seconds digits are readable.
3:33:00
